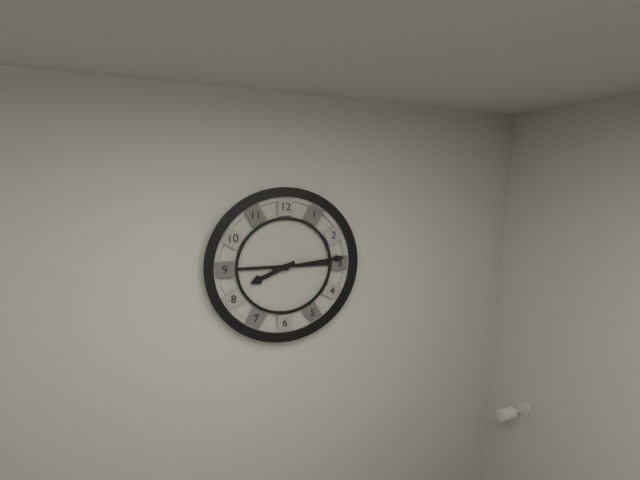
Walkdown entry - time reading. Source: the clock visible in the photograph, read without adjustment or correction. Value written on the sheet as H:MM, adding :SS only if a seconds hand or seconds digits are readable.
8:14
